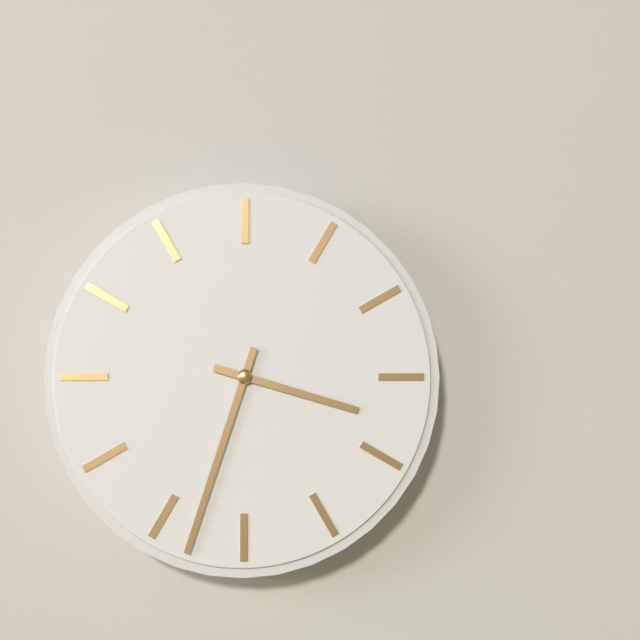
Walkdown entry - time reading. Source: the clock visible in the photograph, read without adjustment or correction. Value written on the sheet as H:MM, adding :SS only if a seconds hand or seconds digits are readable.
3:33
